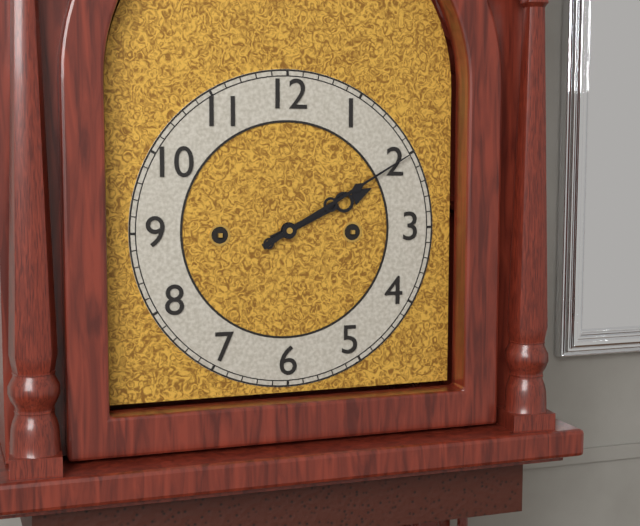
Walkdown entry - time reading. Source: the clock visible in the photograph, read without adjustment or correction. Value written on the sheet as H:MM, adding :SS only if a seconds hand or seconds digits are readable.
2:10
